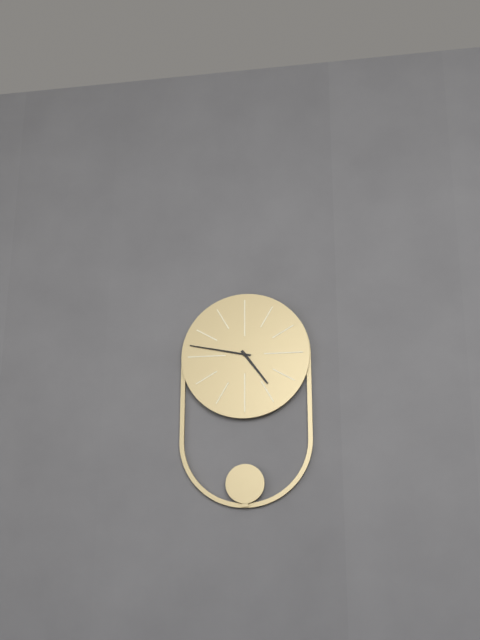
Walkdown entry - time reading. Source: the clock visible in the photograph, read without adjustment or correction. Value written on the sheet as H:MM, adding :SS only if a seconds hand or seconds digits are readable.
4:47
